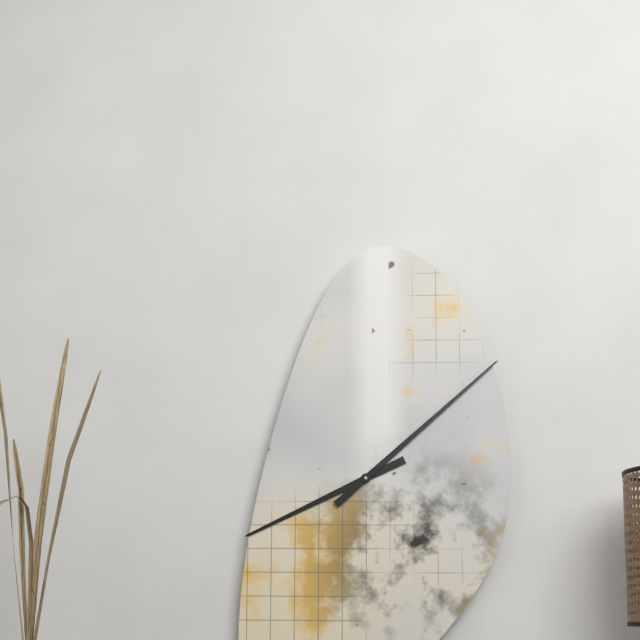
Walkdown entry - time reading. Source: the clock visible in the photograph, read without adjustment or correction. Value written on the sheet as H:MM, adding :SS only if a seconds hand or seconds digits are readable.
8:08
